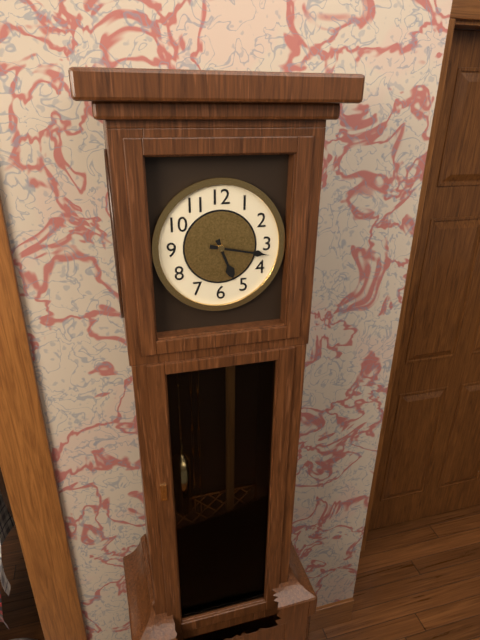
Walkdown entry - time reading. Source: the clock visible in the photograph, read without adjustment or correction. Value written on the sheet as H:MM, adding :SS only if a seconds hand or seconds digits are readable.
5:17
